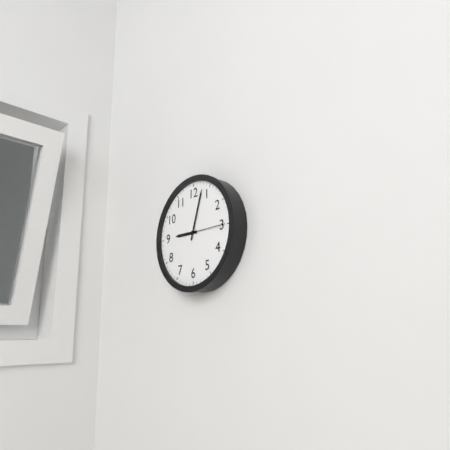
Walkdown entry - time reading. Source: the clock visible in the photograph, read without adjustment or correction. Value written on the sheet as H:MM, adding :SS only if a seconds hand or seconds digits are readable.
9:03
